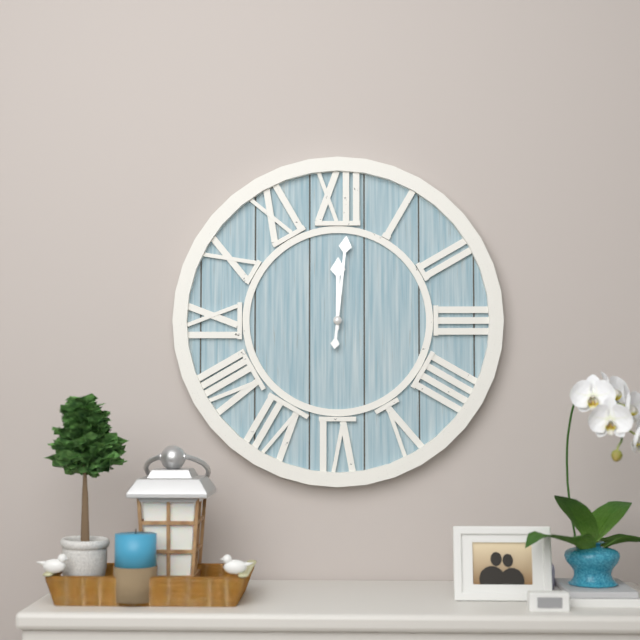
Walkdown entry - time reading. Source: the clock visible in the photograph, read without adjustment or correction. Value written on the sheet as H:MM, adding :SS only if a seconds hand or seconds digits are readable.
12:01
